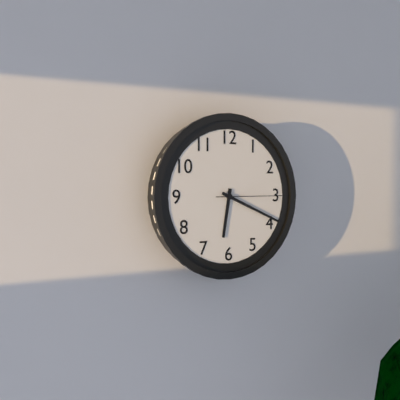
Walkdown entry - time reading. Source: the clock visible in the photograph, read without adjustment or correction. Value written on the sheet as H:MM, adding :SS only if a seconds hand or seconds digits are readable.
6:19:15
